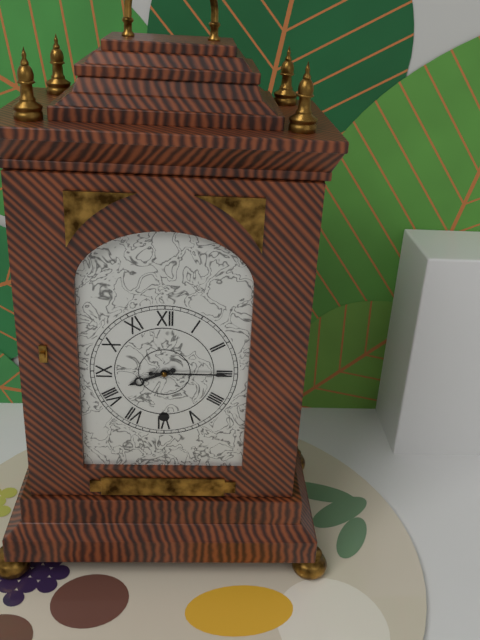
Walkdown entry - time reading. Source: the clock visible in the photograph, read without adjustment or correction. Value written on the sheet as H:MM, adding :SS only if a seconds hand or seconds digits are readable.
8:15
